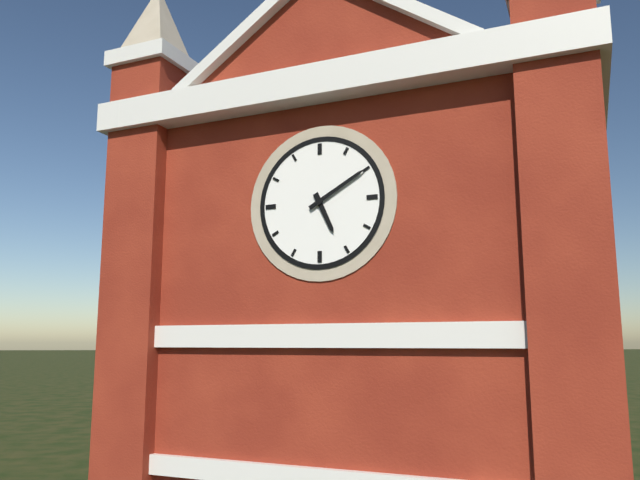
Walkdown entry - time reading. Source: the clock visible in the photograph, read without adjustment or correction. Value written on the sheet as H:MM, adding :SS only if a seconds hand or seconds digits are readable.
5:10
